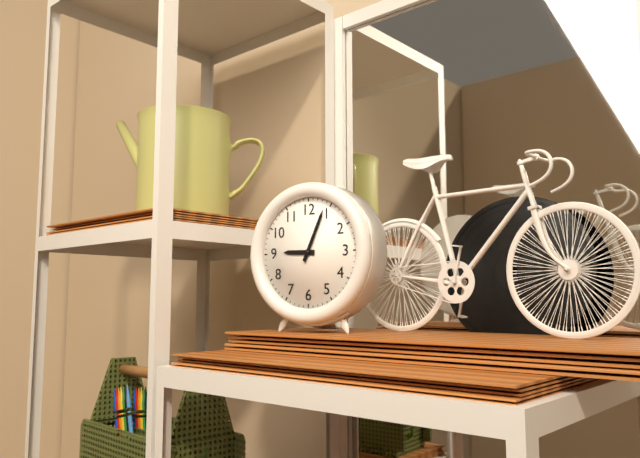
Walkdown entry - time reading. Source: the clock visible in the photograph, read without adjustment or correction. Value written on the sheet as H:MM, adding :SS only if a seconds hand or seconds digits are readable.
9:04
